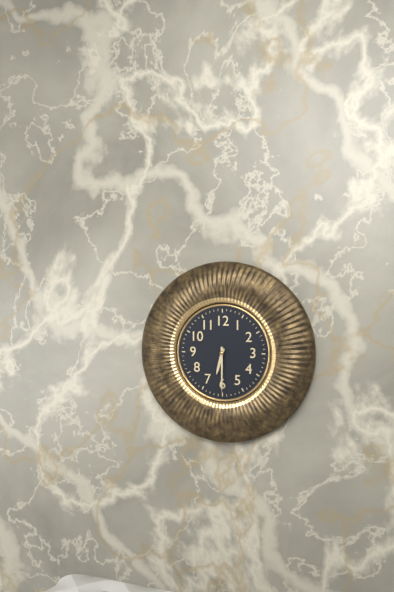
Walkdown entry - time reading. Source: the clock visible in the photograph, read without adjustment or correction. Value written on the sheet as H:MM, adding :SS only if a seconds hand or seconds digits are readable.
6:30
